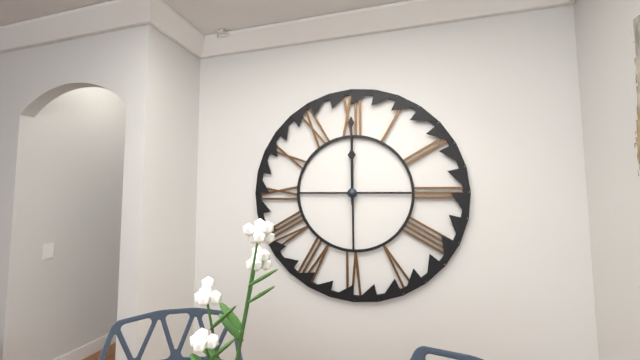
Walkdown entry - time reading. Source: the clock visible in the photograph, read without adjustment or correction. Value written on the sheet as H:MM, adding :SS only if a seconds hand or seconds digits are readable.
12:00
